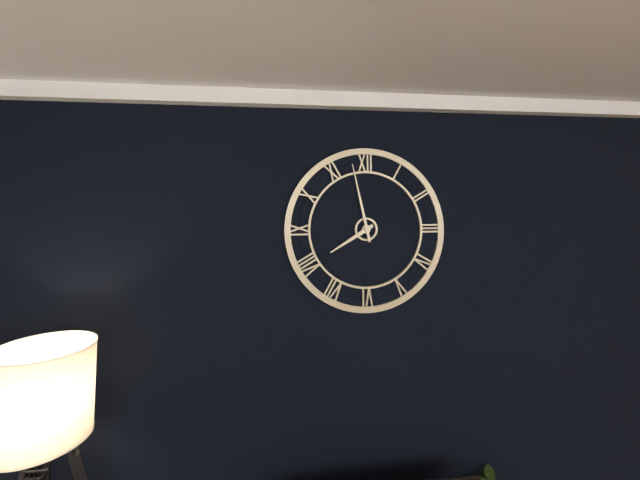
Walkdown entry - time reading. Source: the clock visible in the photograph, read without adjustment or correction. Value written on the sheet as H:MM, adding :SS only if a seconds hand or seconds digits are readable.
7:58
